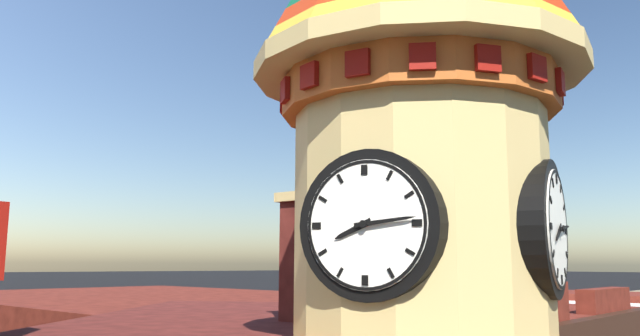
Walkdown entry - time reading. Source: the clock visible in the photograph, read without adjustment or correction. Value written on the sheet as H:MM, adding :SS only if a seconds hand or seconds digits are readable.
8:14
